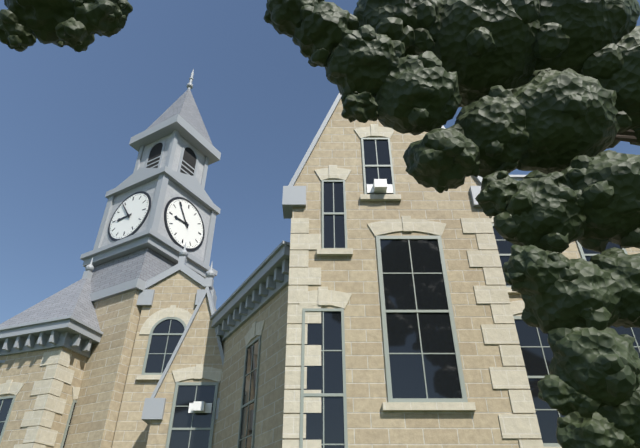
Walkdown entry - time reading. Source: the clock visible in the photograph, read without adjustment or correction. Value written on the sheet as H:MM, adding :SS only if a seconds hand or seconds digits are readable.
8:54
